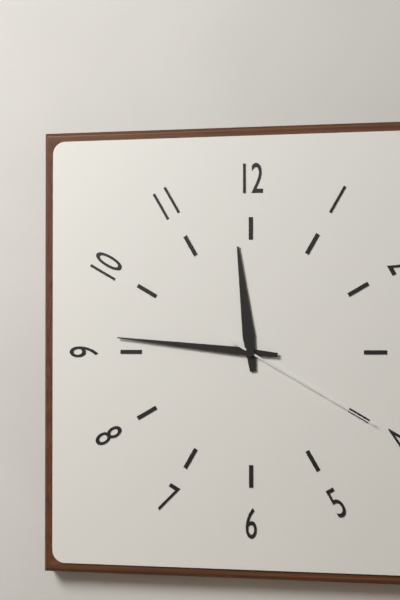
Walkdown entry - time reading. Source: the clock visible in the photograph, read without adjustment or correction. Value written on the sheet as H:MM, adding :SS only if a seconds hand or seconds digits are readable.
11:46:20
